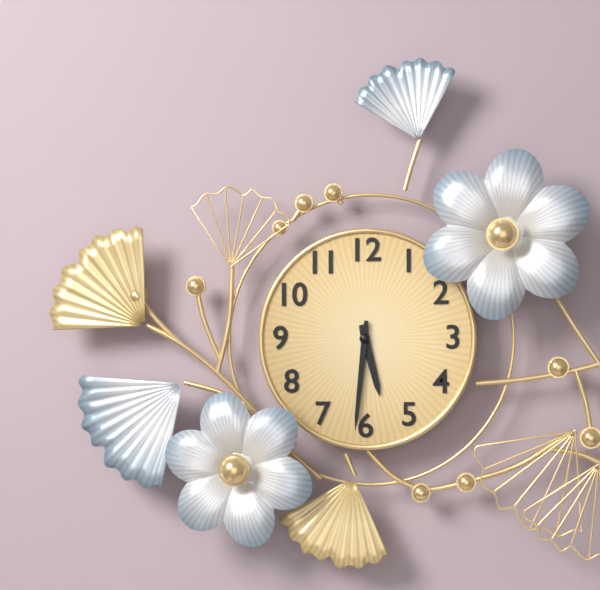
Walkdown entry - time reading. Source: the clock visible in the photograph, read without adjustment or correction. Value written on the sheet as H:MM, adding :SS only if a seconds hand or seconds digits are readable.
5:31
